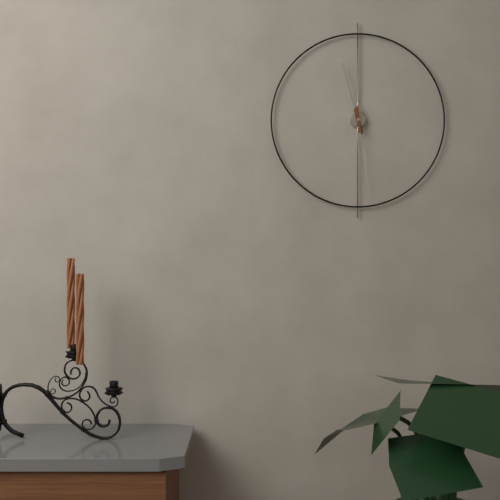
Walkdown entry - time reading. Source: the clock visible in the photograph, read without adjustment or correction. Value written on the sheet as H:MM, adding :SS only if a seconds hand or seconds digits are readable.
11:29
